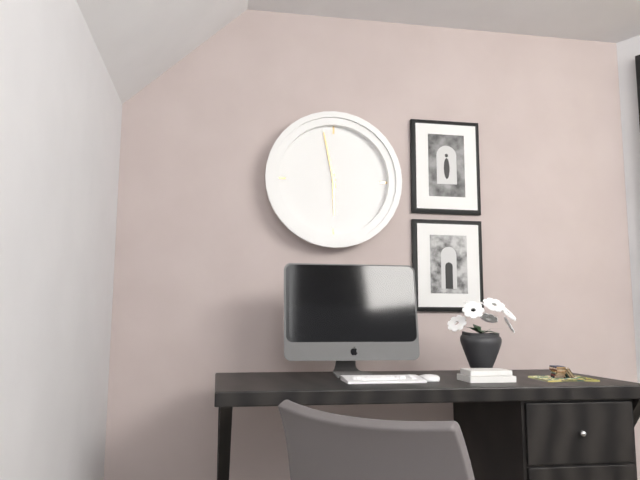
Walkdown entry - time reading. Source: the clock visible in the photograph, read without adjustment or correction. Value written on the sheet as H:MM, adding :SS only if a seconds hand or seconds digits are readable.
5:58
